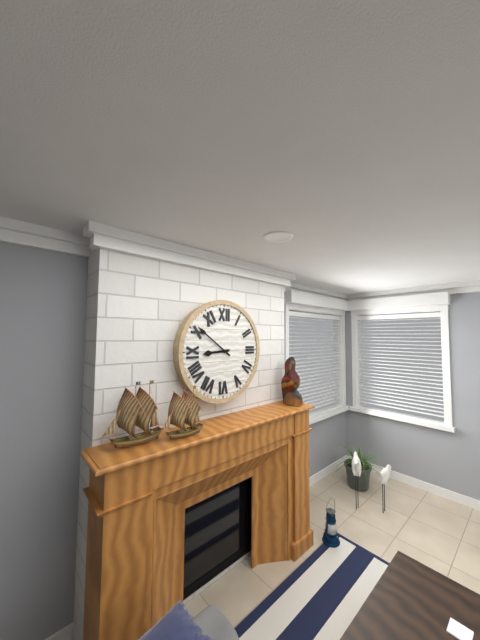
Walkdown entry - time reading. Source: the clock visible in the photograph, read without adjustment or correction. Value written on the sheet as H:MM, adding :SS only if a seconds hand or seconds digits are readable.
8:51
